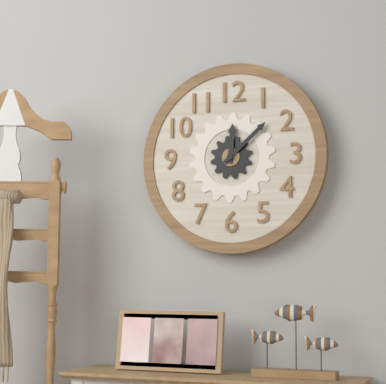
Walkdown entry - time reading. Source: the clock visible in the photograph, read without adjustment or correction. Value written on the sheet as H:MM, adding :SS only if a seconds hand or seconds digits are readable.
12:08
